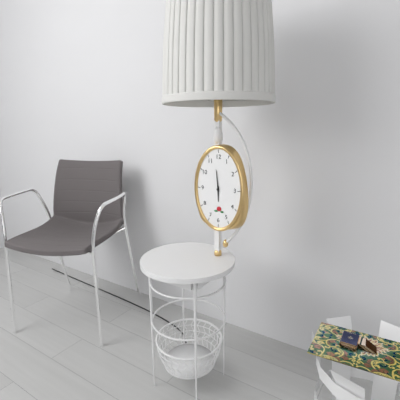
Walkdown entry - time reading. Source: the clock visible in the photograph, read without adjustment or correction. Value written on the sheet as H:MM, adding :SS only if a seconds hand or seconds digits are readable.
5:59
